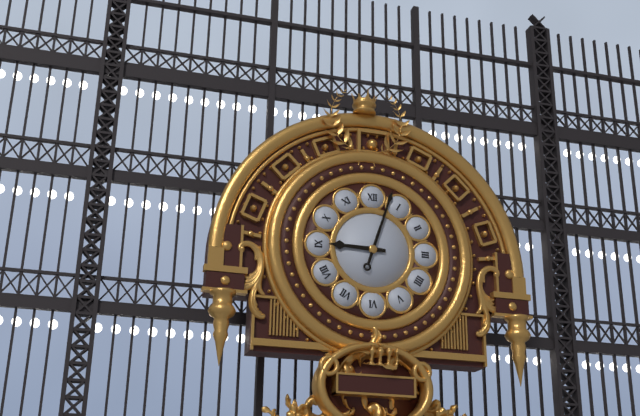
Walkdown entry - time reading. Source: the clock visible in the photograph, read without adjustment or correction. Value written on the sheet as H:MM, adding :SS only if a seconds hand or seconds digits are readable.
9:03
